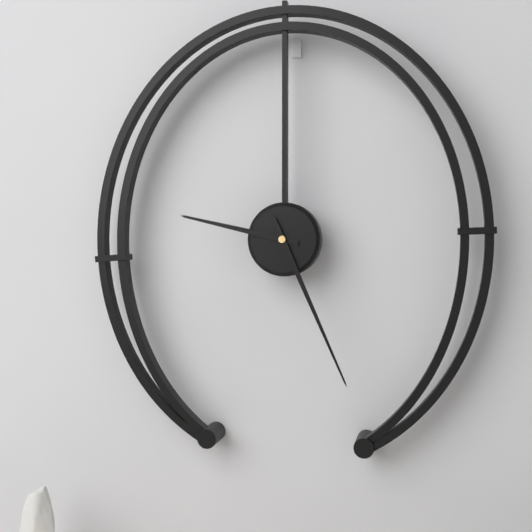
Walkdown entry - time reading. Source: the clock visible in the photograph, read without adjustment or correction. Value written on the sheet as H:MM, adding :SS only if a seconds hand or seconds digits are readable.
9:26
